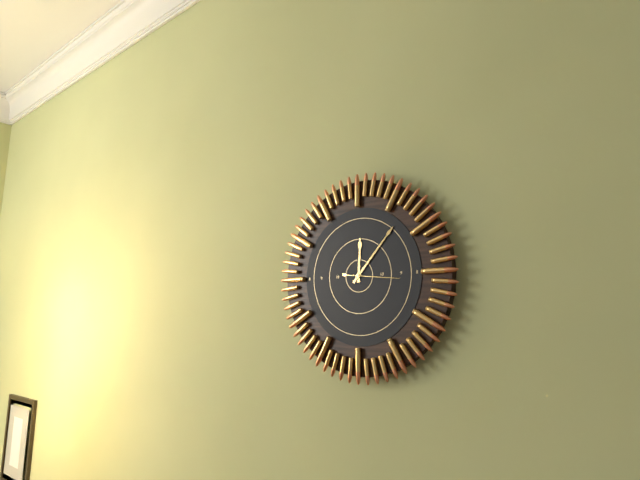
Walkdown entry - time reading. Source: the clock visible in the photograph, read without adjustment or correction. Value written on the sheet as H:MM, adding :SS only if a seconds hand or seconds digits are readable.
12:07:16
